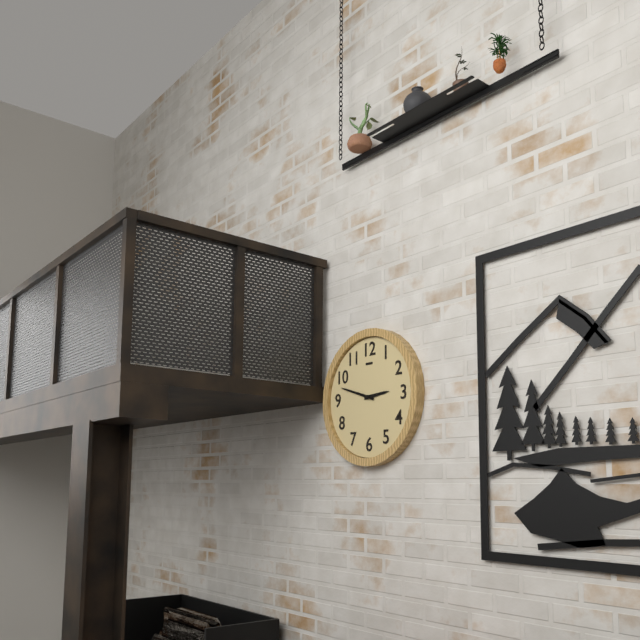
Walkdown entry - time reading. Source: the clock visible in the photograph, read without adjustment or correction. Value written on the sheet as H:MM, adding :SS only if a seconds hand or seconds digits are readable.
2:48
